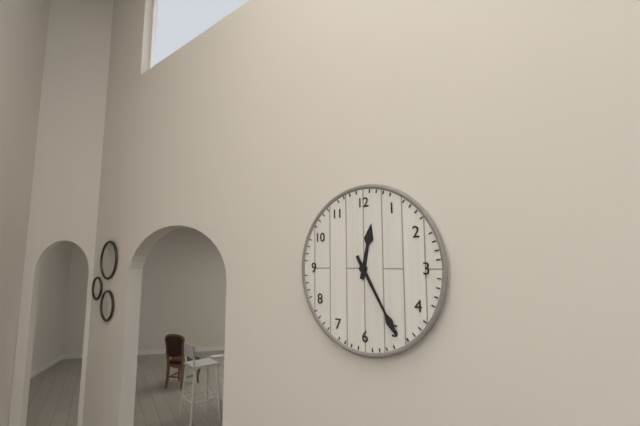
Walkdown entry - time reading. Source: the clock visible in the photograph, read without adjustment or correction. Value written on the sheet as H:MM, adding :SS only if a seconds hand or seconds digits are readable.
12:25
